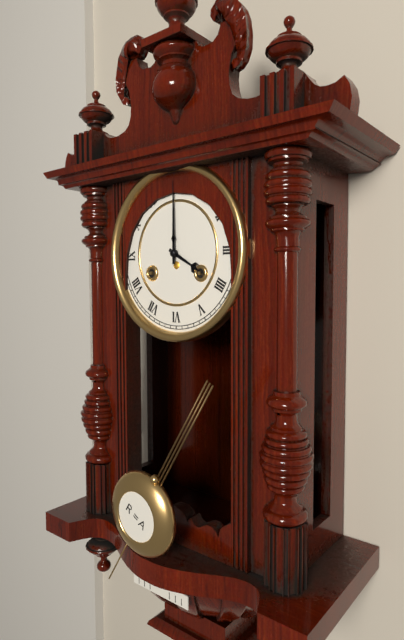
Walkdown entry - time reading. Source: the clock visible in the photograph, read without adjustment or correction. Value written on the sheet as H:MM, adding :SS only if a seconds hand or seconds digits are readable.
4:00
